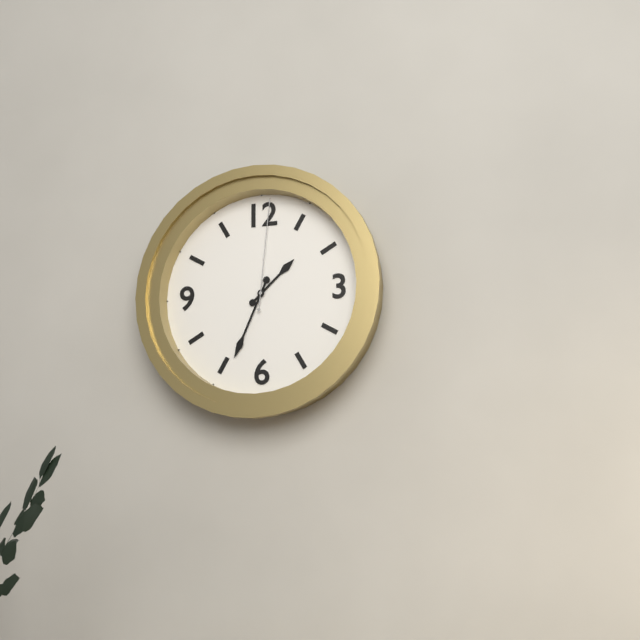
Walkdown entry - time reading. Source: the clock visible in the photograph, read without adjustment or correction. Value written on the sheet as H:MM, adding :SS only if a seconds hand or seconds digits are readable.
1:34:01
